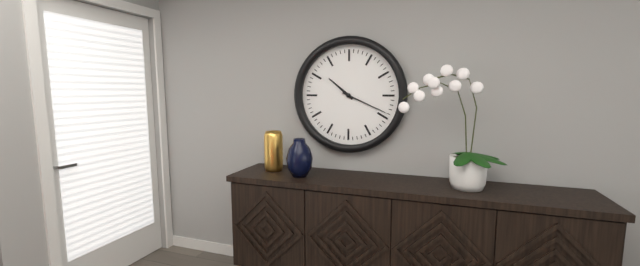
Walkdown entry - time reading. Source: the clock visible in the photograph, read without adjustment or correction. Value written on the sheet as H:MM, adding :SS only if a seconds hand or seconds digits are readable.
10:19
